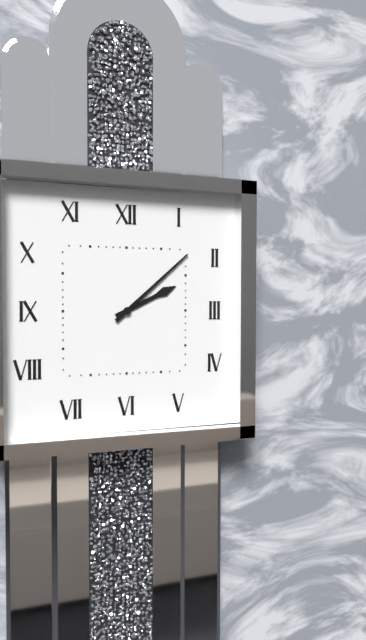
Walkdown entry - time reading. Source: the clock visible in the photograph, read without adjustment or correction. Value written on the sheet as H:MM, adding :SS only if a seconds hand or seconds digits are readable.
2:08
